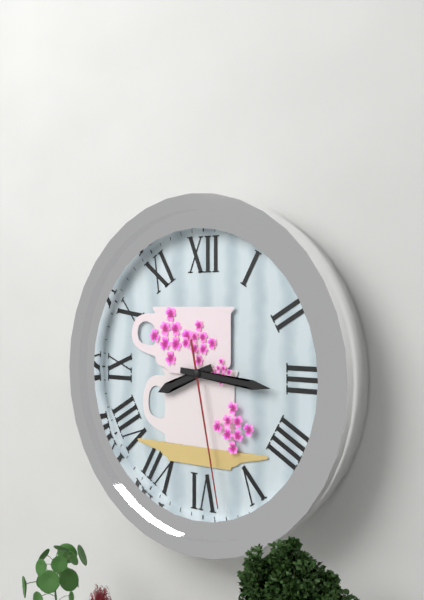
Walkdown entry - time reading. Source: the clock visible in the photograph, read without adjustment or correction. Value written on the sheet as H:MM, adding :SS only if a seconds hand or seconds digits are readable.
8:16:28
